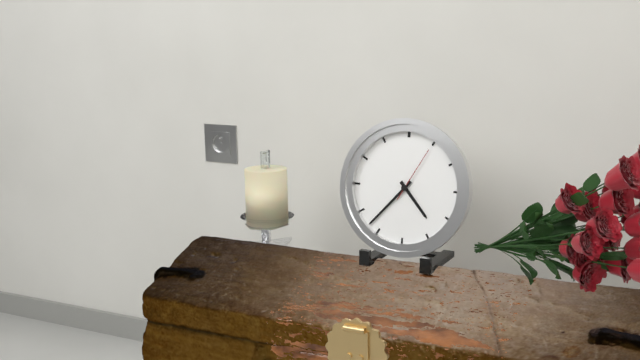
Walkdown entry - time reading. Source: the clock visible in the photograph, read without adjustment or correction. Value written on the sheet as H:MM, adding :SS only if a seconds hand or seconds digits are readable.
4:37:05
